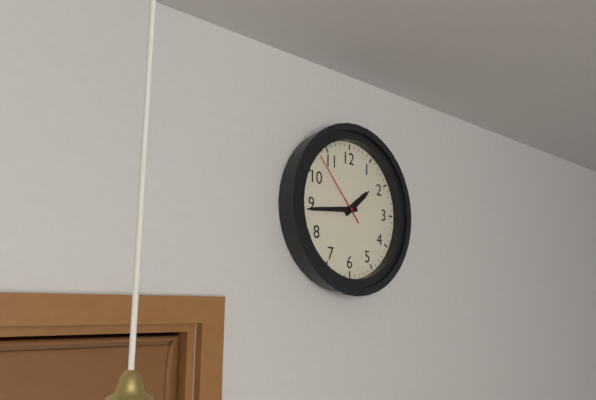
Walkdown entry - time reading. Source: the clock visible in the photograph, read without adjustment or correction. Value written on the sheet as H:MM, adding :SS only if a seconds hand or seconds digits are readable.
1:44:53
